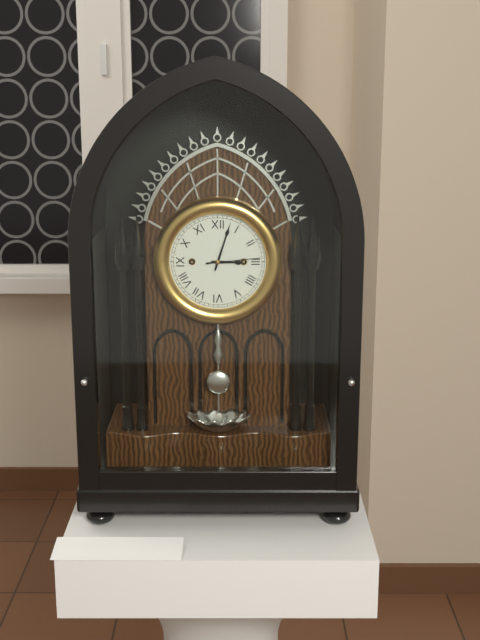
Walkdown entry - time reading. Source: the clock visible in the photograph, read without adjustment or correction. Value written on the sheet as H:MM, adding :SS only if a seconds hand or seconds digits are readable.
3:03:14
